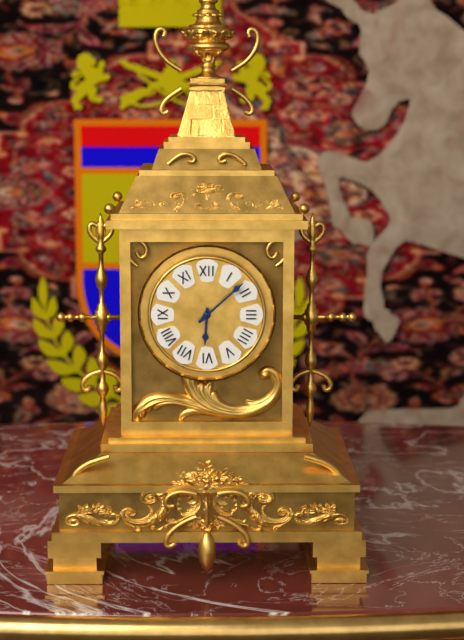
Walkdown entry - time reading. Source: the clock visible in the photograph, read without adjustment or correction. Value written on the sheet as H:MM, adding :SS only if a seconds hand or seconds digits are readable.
6:08
